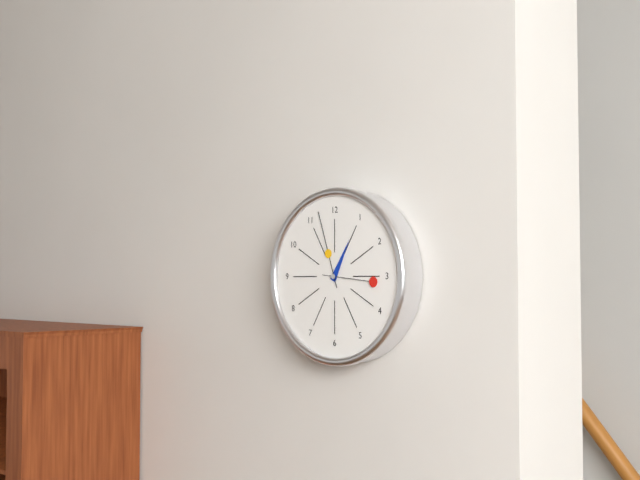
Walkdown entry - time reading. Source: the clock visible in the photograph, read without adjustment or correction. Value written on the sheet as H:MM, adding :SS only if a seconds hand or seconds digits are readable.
12:57:16
